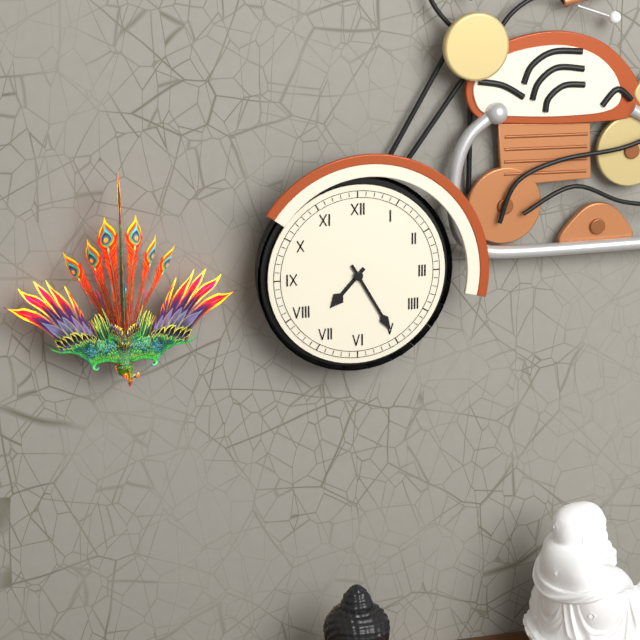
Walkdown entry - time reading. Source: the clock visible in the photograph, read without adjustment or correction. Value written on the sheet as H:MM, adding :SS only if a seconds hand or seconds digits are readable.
7:25
